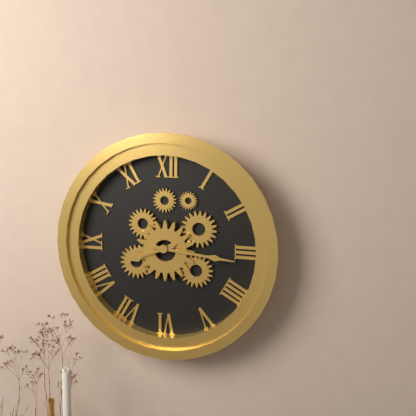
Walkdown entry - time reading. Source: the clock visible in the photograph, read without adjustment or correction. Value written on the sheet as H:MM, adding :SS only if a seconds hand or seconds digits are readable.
8:16
